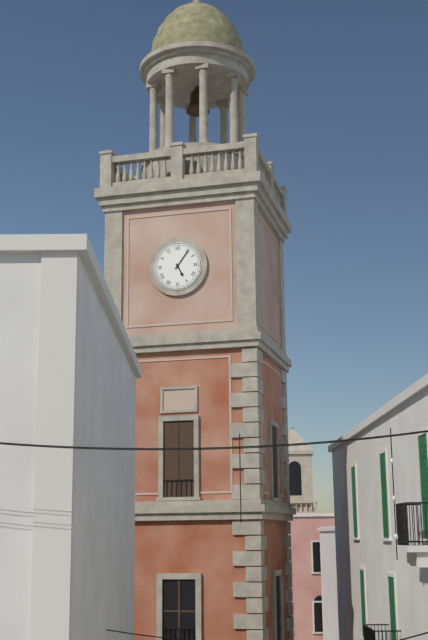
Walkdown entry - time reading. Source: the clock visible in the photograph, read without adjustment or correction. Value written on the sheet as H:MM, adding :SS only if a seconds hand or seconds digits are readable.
5:06
